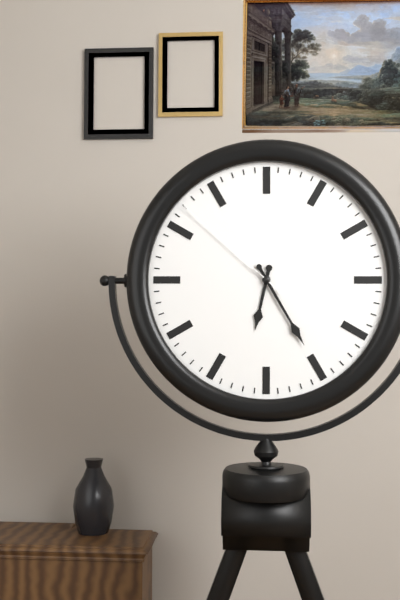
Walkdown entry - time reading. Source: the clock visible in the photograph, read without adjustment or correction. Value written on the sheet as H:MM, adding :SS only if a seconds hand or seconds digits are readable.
6:25:52
